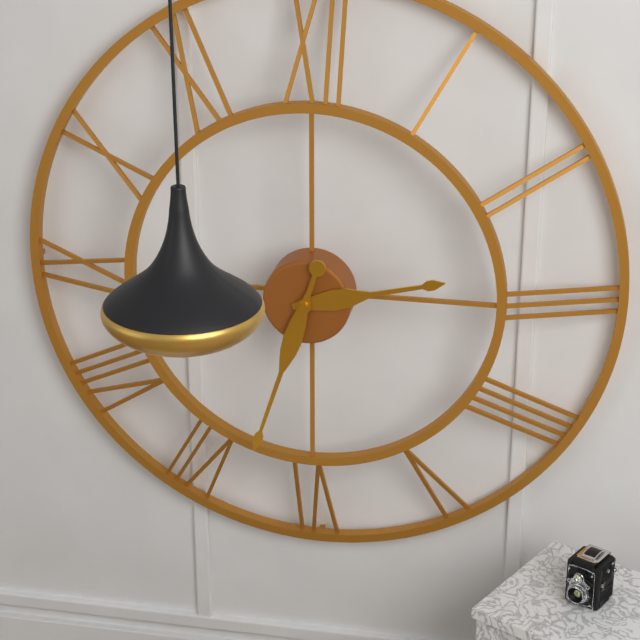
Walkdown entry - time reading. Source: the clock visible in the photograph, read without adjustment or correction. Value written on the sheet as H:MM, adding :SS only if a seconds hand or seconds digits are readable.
2:33
